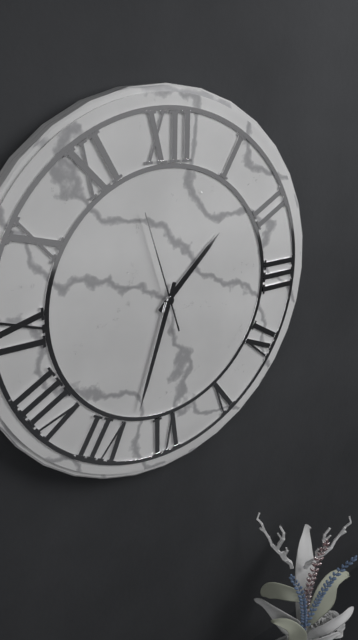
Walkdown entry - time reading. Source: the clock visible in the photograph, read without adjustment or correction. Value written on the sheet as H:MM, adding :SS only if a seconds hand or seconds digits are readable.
1:33:57
